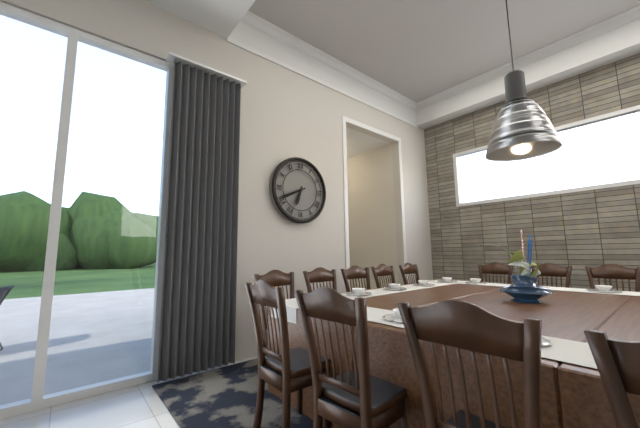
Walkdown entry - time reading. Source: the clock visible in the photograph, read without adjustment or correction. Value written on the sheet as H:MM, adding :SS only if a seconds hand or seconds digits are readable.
6:41
